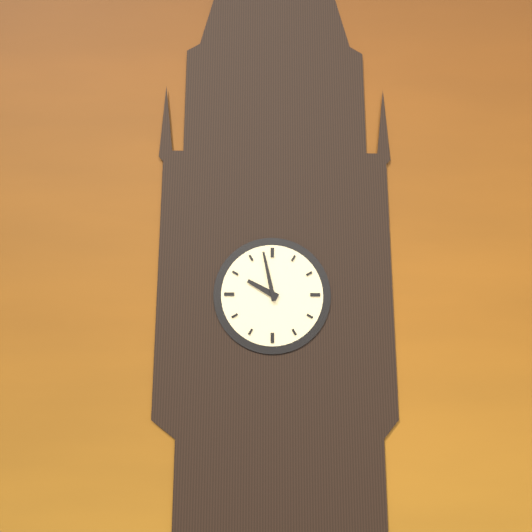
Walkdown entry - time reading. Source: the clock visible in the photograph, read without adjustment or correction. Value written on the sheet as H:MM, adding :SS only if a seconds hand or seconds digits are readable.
9:58
